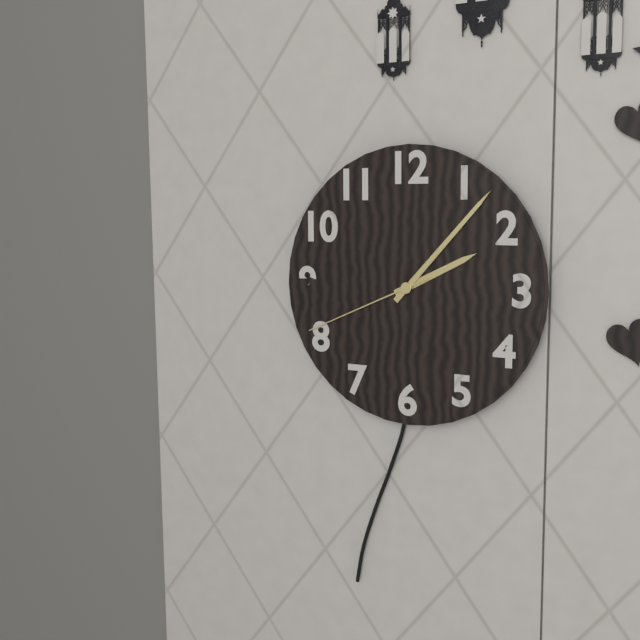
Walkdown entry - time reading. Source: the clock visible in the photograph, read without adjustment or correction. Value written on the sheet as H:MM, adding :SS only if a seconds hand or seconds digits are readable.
2:07:41
